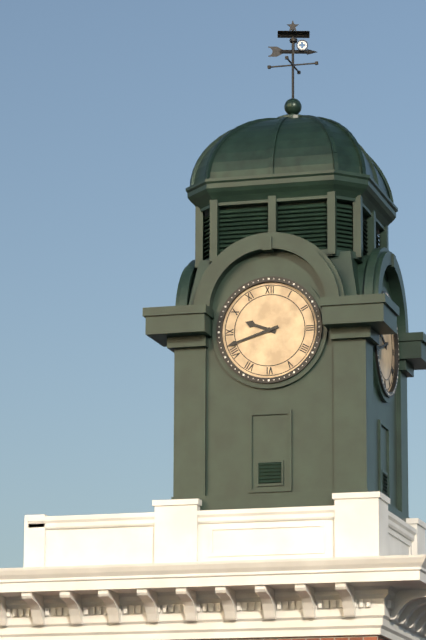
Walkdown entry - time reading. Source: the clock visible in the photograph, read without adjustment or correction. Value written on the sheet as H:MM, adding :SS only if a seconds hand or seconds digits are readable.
9:42
